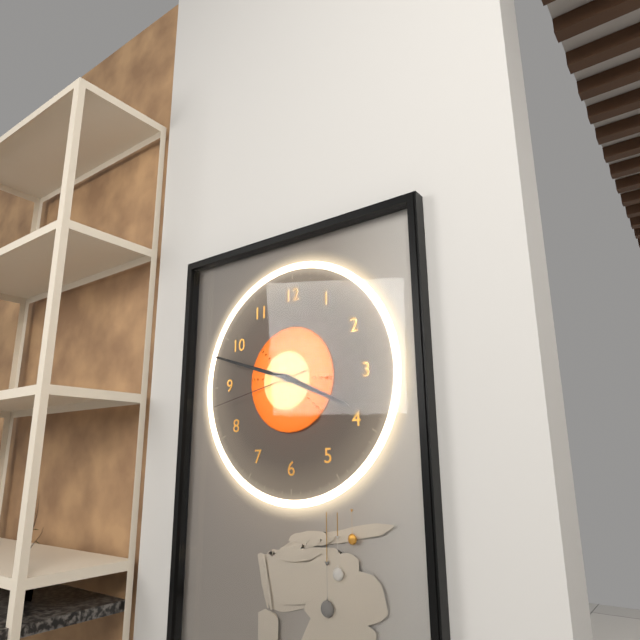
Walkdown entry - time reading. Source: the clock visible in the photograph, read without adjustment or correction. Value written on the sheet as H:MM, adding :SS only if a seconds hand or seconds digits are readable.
3:48:43
